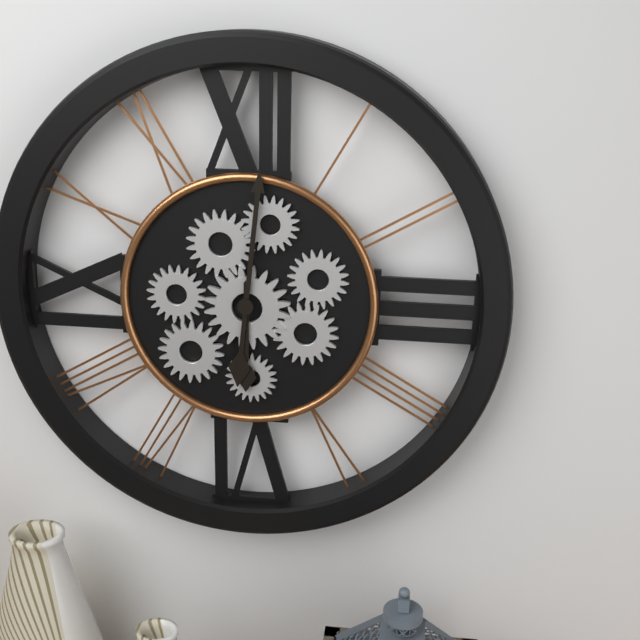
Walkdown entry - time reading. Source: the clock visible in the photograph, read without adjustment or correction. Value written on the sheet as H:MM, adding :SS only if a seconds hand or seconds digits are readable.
6:01
